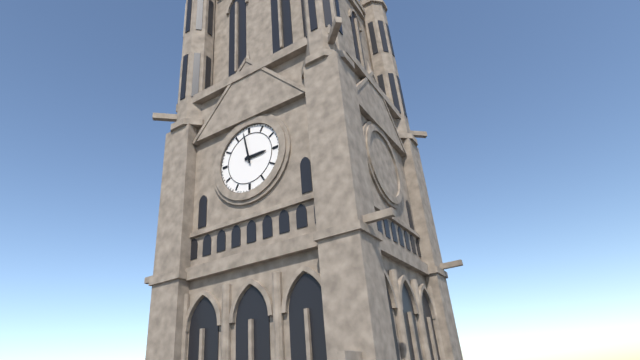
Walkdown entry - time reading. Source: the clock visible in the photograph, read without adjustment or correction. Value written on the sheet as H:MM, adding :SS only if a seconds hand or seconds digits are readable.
2:58
